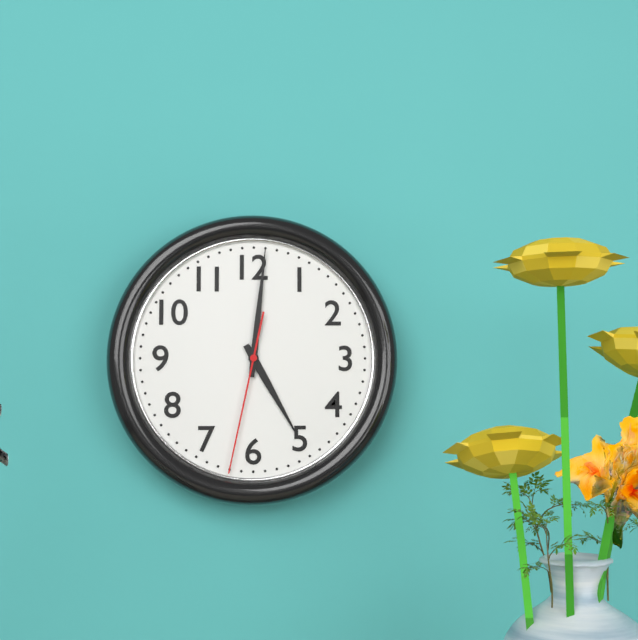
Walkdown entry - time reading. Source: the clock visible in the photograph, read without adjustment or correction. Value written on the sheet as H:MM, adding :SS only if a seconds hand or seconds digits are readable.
5:01:32
